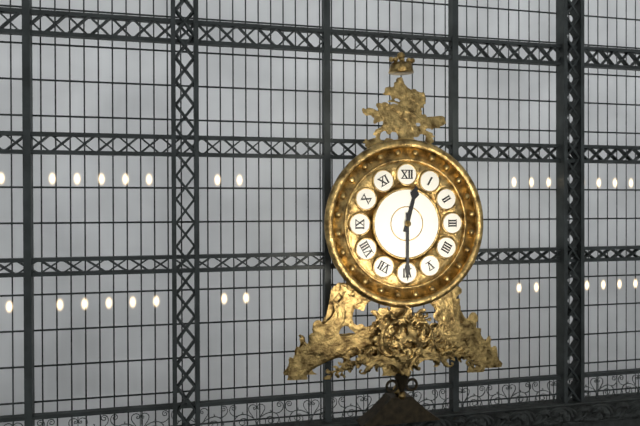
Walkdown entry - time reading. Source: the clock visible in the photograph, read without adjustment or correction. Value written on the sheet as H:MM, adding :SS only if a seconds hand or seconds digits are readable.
12:30
